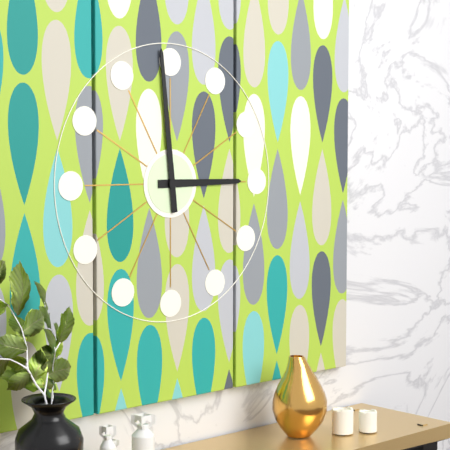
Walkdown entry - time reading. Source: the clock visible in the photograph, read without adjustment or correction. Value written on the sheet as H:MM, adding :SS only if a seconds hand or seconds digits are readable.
2:59
